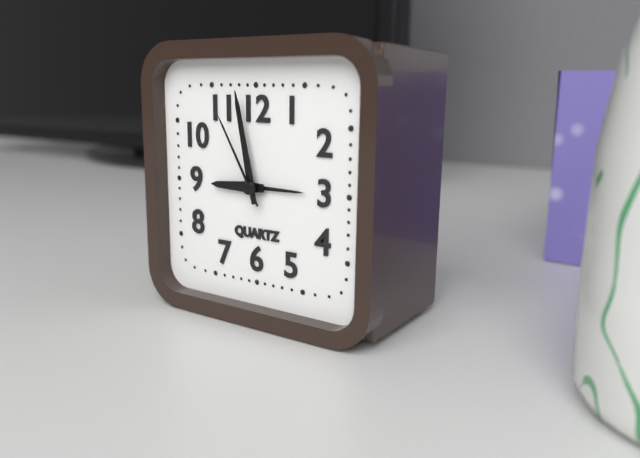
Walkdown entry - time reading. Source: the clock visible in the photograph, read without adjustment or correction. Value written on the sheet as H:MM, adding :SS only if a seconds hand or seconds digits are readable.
8:58:55
